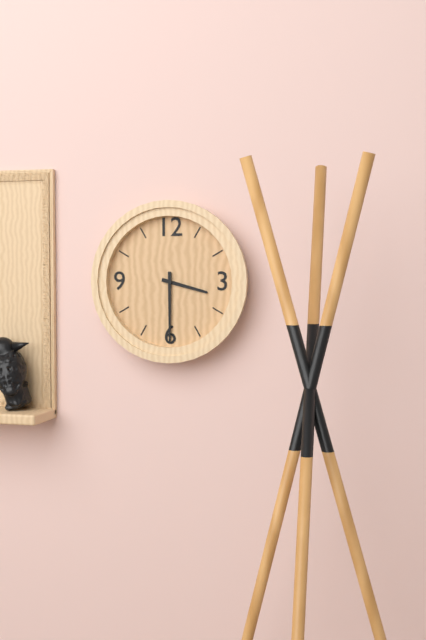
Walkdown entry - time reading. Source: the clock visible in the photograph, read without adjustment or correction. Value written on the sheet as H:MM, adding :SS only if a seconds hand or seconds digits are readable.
3:30
